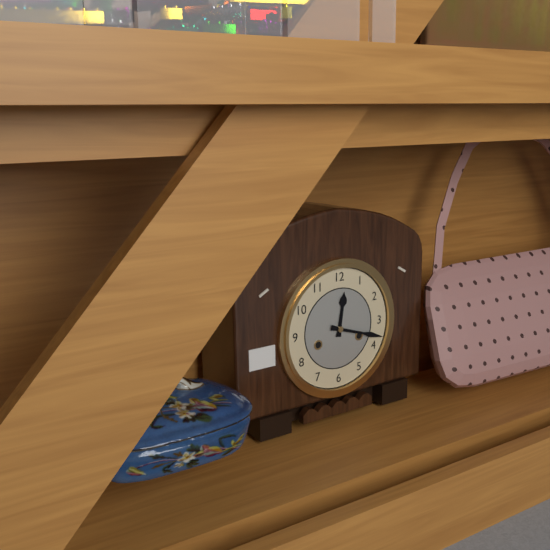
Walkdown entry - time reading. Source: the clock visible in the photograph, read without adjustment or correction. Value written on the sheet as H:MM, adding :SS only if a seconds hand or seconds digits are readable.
12:18
